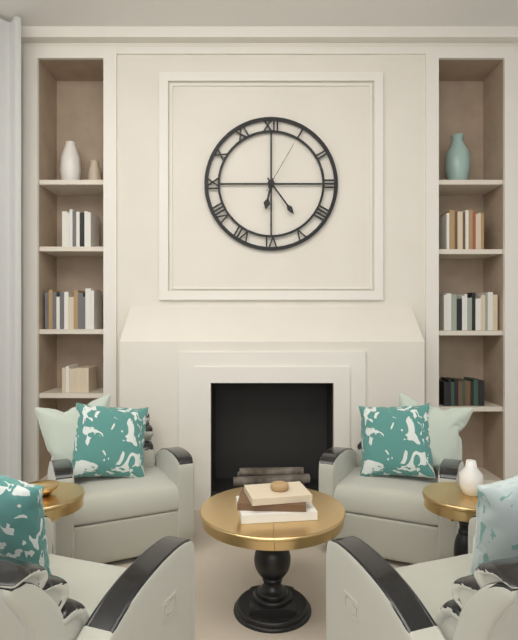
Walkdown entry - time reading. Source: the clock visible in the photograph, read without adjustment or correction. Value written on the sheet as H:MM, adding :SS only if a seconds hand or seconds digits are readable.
6:24:05
